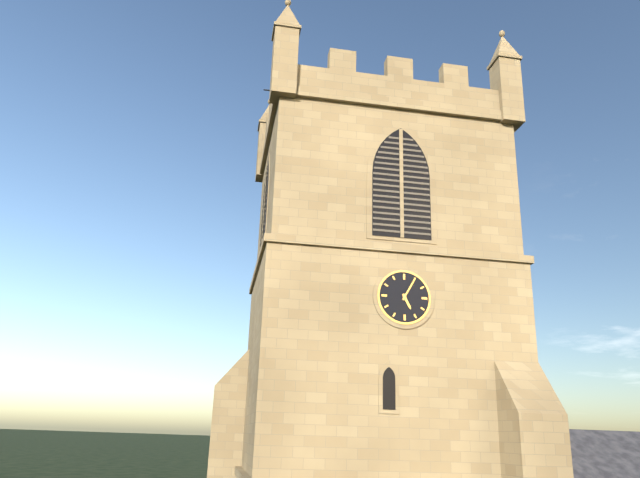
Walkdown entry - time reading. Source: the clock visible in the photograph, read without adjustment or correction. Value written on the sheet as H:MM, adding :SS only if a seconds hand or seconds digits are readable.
5:05
